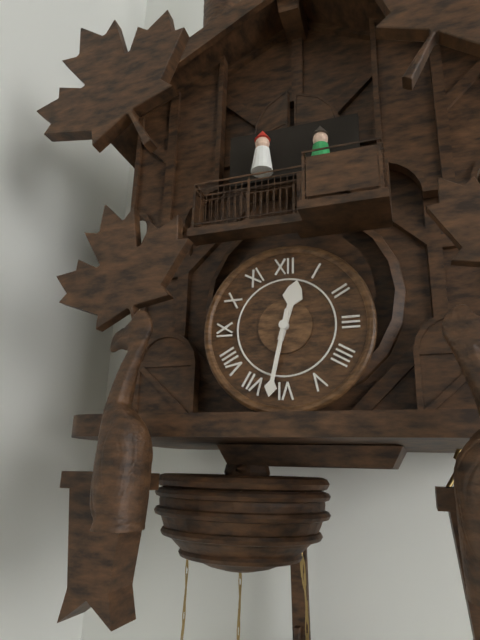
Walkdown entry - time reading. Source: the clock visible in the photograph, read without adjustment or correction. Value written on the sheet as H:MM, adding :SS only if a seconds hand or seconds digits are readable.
12:32
